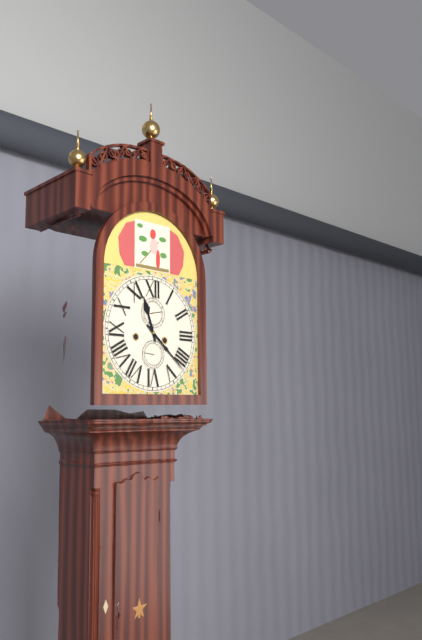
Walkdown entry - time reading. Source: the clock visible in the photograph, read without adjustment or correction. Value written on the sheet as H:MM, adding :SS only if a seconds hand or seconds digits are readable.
11:22
